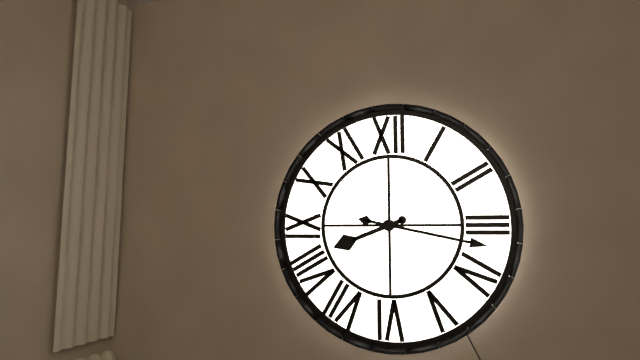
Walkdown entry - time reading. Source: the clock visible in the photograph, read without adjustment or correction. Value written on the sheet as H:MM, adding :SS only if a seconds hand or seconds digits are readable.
8:17
